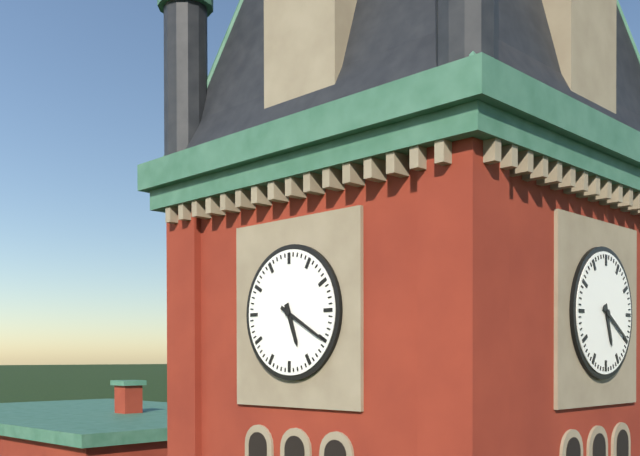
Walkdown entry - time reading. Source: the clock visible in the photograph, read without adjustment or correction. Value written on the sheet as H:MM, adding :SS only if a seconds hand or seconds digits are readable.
5:20
